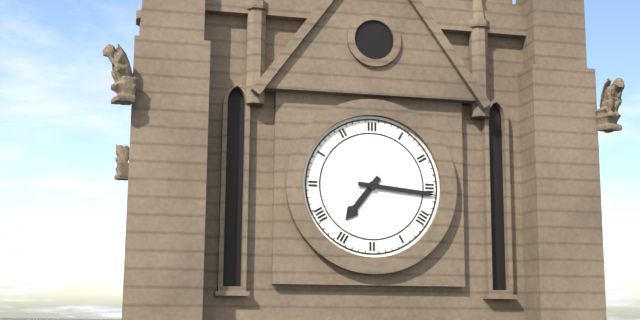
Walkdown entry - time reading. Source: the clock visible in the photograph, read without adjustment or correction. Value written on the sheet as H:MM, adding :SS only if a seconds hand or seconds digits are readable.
7:16
